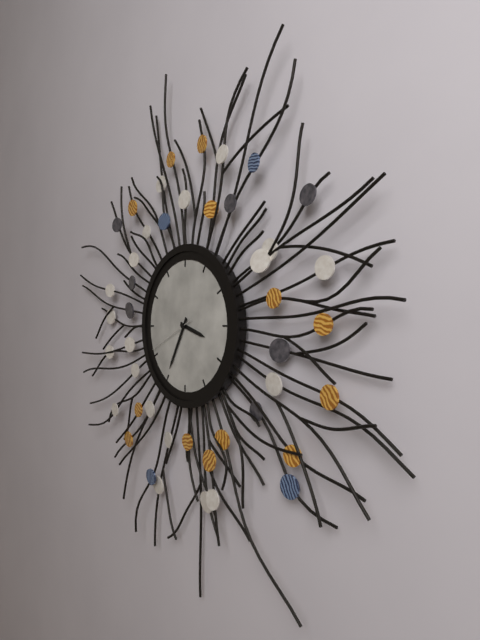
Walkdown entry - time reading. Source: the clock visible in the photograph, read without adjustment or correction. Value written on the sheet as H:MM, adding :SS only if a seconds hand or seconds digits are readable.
3:35
